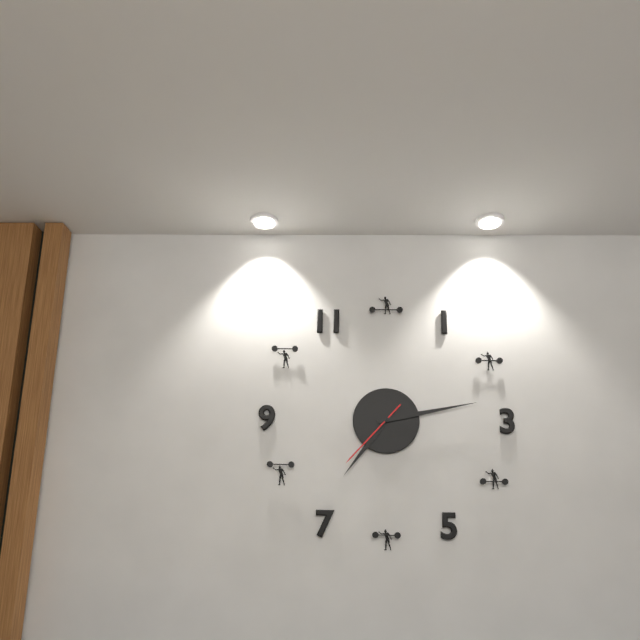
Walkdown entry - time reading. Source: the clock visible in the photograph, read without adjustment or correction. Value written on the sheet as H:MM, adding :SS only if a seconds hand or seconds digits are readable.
7:13:37
